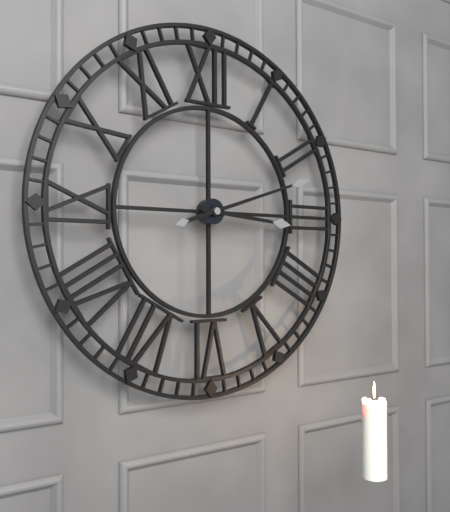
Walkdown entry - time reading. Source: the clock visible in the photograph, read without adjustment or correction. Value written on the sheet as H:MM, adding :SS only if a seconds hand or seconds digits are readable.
3:12
